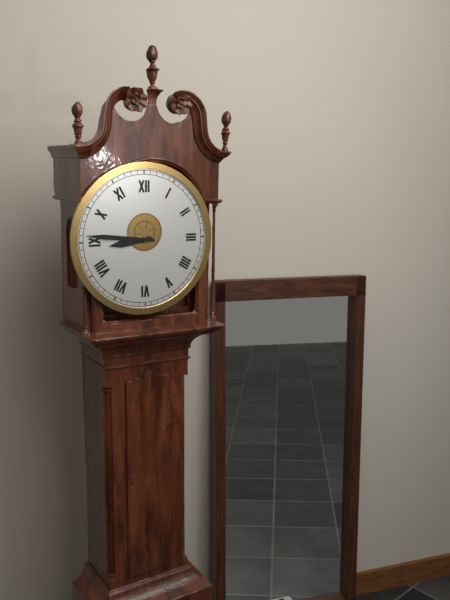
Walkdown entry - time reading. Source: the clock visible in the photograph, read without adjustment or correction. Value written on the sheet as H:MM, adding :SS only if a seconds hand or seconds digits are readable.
8:46
